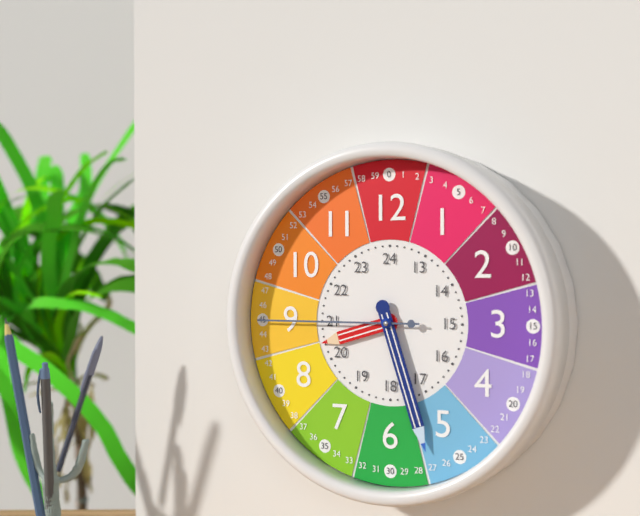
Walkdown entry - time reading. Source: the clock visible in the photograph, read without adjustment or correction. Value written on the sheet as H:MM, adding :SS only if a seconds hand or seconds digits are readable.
8:27:45
